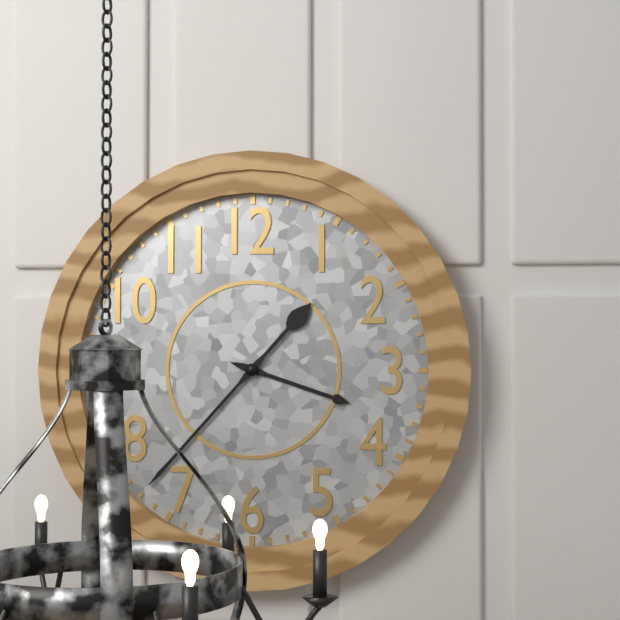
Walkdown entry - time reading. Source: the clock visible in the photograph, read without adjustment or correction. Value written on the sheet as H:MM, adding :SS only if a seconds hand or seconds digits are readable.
3:37
